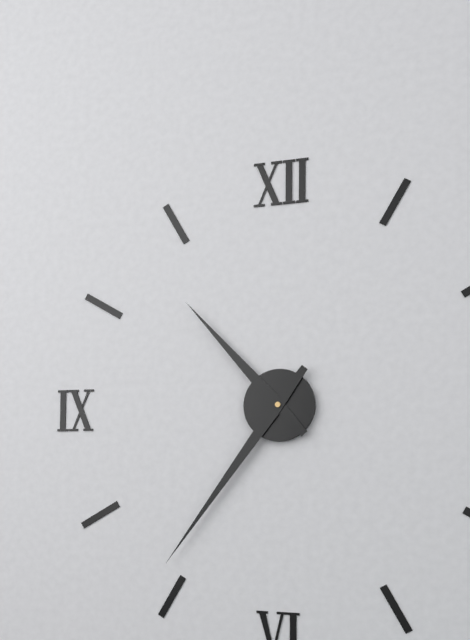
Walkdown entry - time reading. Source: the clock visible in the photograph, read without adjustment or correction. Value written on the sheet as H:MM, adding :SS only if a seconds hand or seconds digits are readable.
10:36
